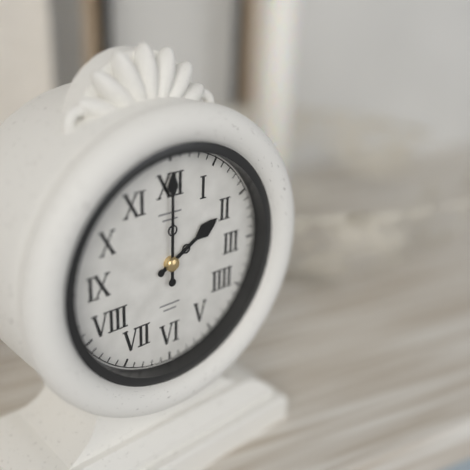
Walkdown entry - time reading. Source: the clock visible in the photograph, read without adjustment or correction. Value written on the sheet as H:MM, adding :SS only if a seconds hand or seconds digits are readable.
2:00
